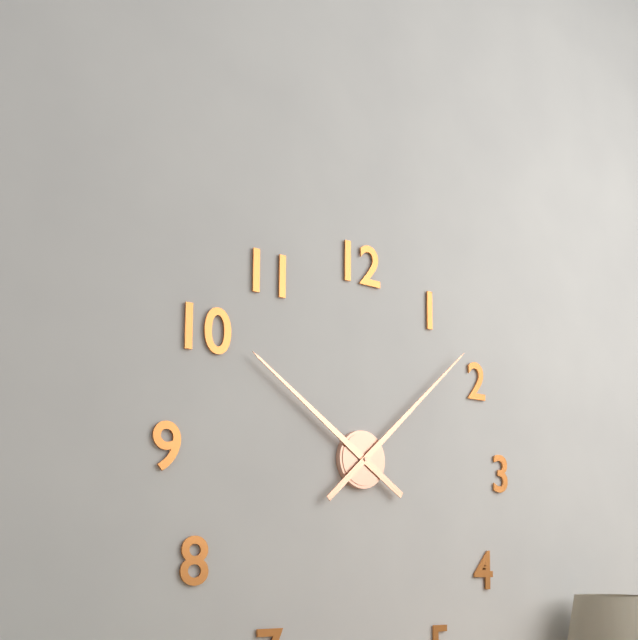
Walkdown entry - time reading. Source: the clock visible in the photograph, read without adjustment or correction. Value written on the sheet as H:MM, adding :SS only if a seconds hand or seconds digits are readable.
10:08
